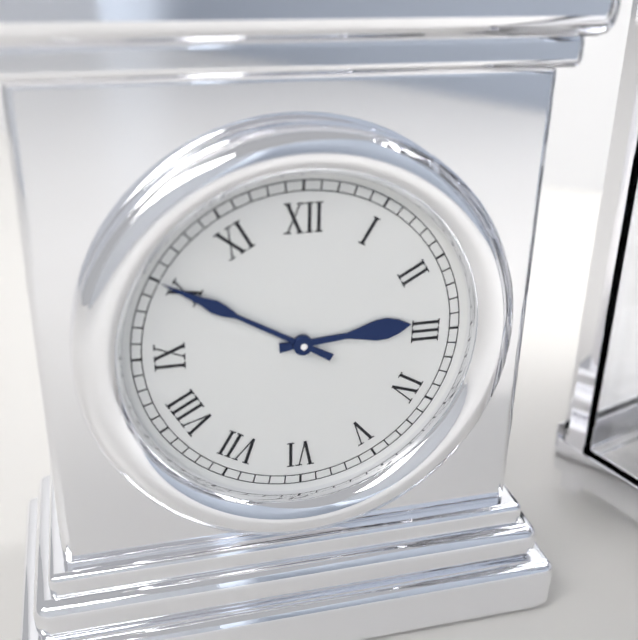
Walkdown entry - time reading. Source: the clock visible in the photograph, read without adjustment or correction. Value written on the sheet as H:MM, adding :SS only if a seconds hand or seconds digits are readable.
2:50
